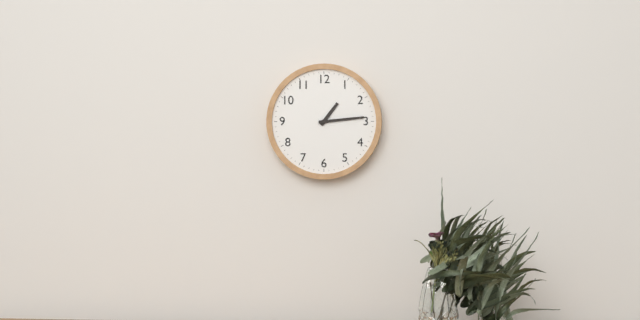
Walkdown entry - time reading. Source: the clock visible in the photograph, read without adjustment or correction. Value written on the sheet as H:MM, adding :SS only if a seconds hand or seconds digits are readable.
1:14
